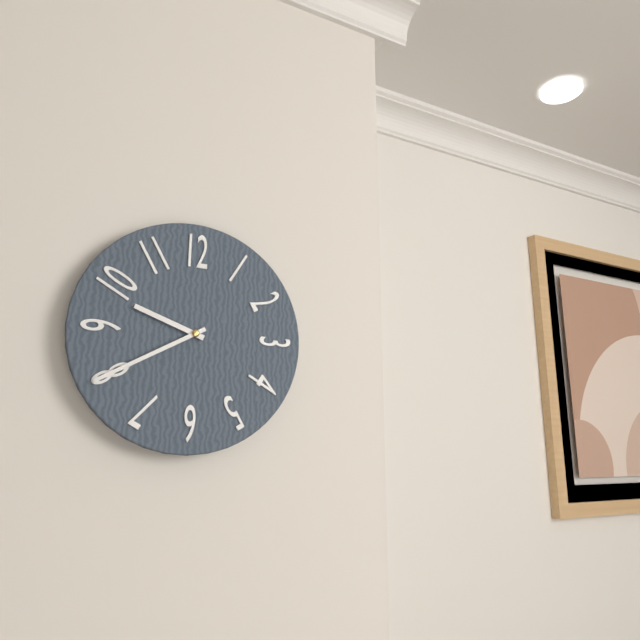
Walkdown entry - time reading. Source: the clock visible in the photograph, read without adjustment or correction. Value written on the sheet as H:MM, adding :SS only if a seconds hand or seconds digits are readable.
9:40
